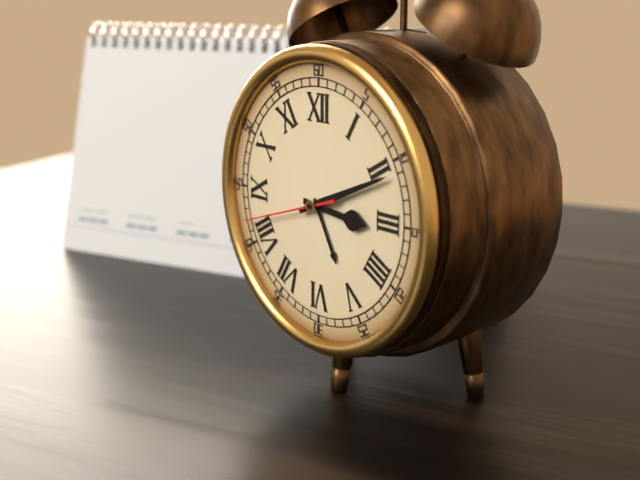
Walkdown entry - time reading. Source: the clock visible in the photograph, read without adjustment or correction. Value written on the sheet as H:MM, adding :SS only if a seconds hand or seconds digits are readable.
3:11:42
